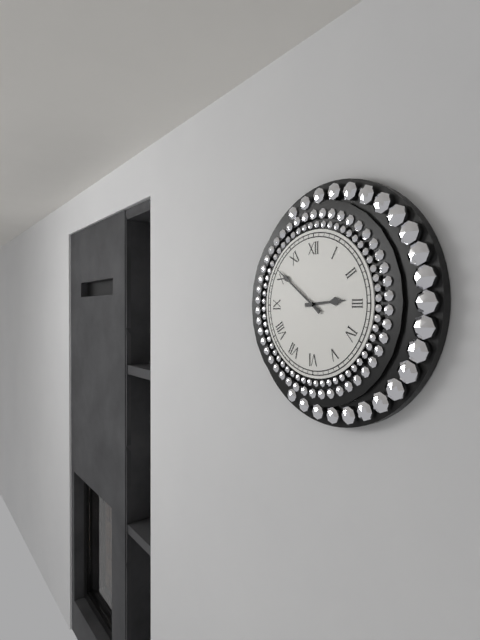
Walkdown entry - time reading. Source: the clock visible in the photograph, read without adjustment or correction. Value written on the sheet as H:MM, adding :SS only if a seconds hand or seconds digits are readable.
2:51
